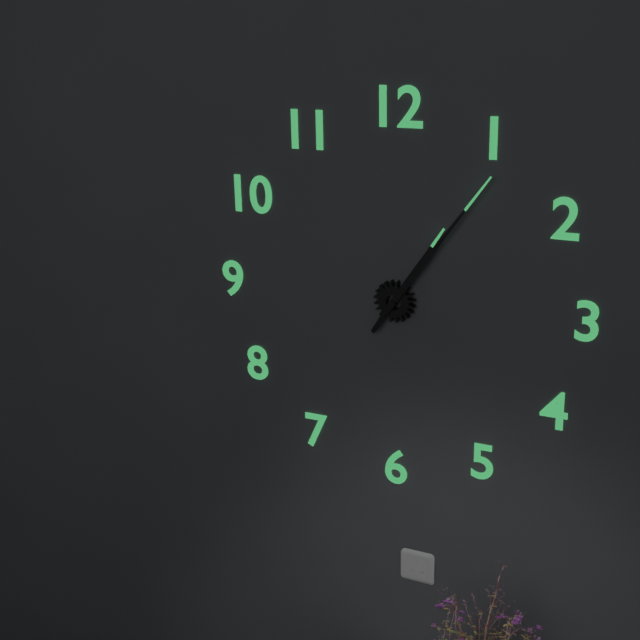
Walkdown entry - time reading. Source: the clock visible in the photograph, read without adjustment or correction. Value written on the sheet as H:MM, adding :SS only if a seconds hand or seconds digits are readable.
1:06
